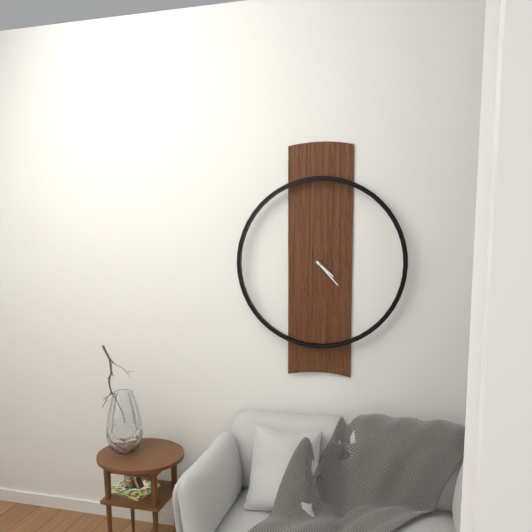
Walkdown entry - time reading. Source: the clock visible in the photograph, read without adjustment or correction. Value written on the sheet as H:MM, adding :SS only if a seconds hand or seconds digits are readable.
4:23
